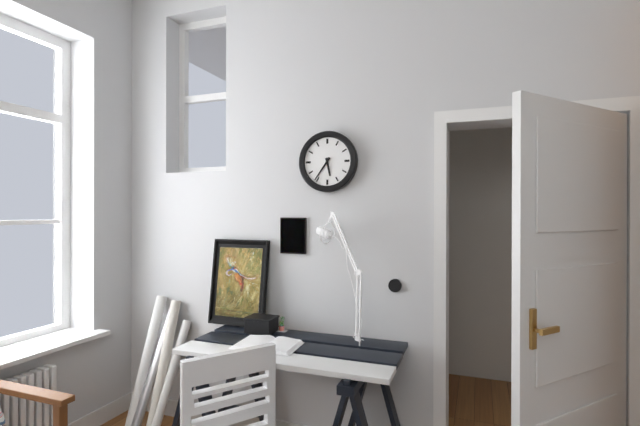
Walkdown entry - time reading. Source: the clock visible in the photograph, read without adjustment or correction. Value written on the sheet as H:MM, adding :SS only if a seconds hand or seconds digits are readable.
5:36
